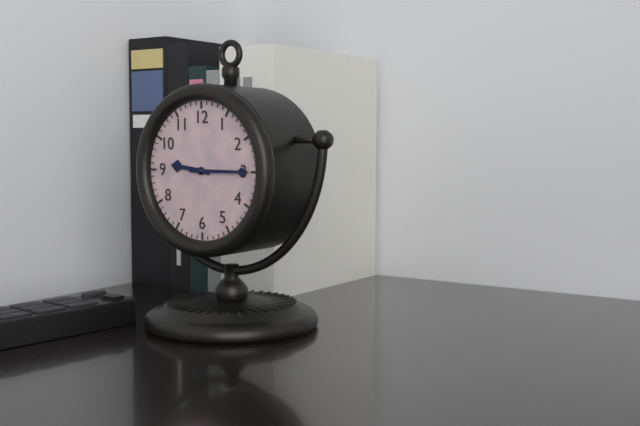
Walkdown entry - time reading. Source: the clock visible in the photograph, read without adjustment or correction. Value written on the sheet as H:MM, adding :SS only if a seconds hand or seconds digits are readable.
9:15
